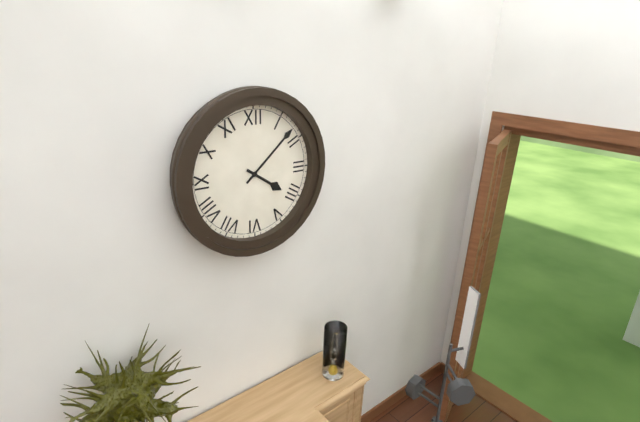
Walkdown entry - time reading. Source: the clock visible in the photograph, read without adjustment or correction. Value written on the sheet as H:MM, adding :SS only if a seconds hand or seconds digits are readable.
4:08
